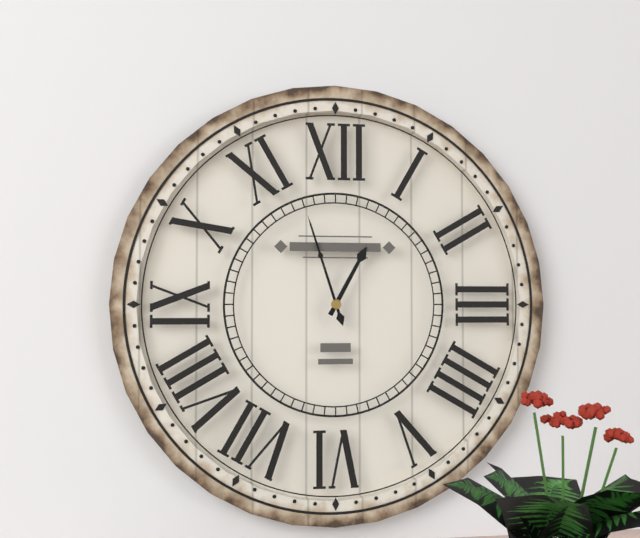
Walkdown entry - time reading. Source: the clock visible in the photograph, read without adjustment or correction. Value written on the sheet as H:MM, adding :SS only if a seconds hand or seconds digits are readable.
12:57
